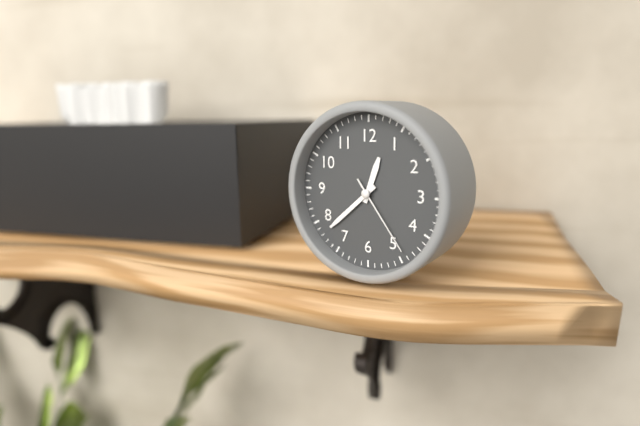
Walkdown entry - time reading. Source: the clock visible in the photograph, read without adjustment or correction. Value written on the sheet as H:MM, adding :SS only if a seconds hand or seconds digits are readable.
12:38:24
